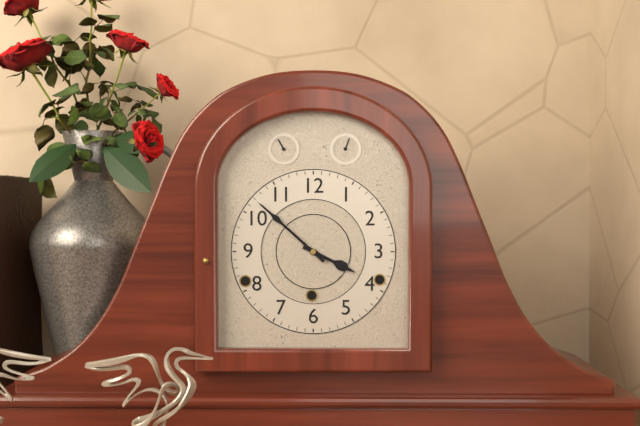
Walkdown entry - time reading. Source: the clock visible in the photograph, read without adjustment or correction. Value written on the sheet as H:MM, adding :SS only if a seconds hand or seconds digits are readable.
3:52
